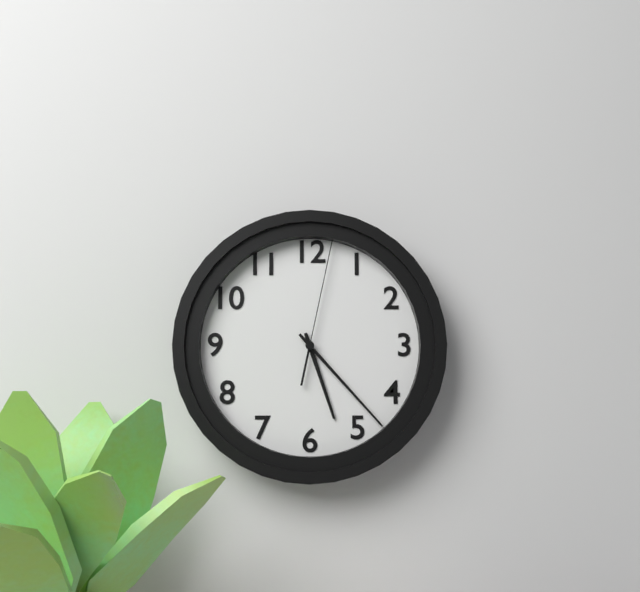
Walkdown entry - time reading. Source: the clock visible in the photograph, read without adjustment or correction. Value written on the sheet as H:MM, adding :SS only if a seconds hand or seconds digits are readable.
5:23:02
